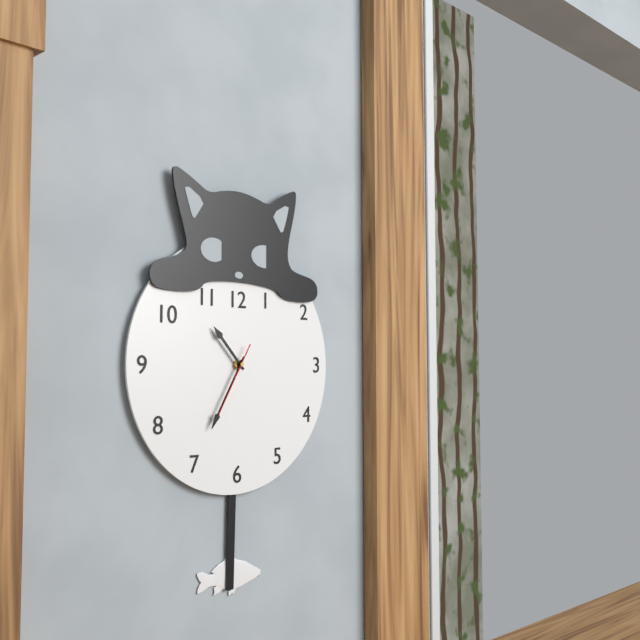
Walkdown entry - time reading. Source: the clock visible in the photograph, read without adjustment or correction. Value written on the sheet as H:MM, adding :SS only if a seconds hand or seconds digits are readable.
10:35:35
